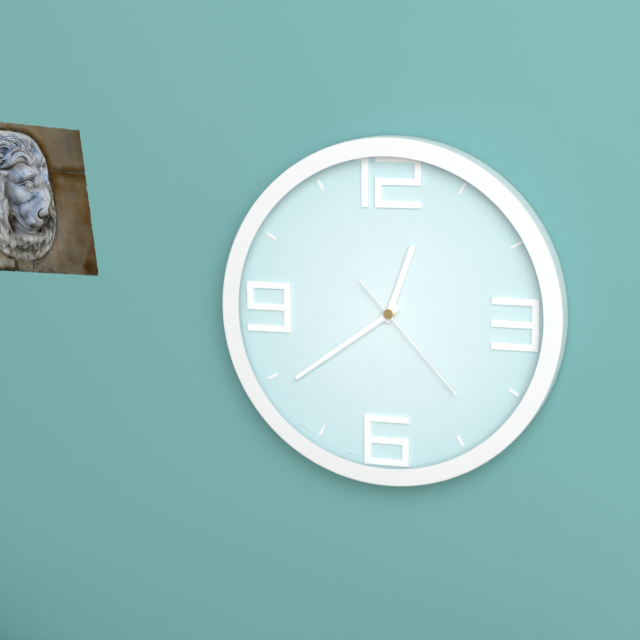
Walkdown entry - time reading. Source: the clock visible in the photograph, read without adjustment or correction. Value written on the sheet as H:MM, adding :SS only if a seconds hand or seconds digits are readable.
12:39:23
